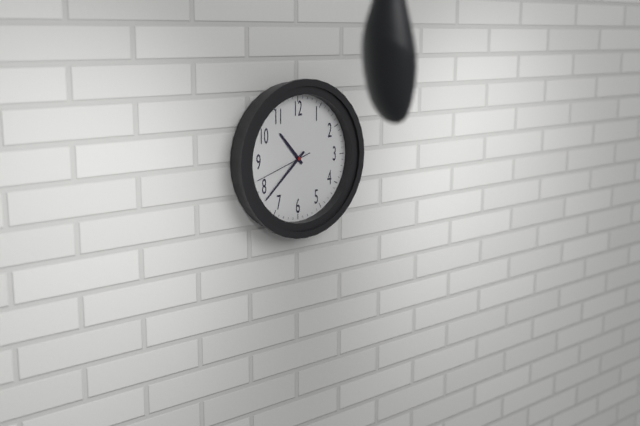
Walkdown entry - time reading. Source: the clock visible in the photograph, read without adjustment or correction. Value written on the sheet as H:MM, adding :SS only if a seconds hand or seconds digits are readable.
10:38:42
